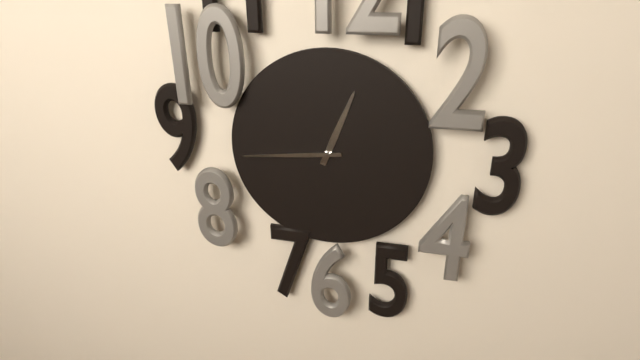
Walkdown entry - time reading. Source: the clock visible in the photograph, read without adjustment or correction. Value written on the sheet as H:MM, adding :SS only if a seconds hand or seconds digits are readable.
12:44
